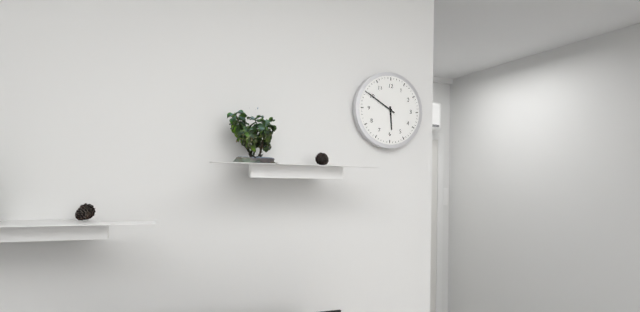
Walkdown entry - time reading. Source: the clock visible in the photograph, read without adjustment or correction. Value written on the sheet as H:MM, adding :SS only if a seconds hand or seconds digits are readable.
5:50
